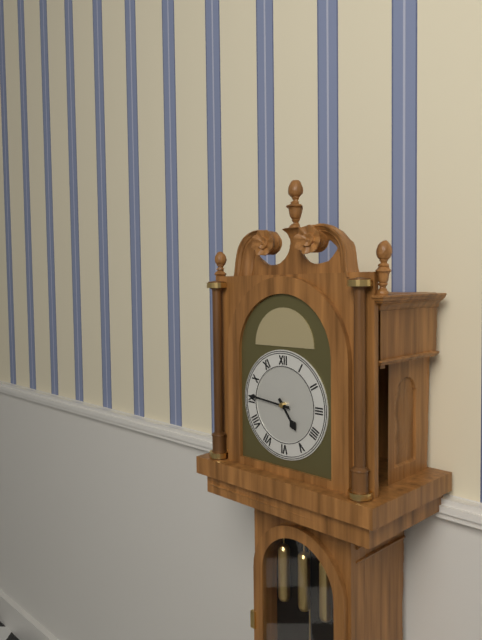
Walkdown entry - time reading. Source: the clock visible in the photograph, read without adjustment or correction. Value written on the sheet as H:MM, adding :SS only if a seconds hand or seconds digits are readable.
4:46
